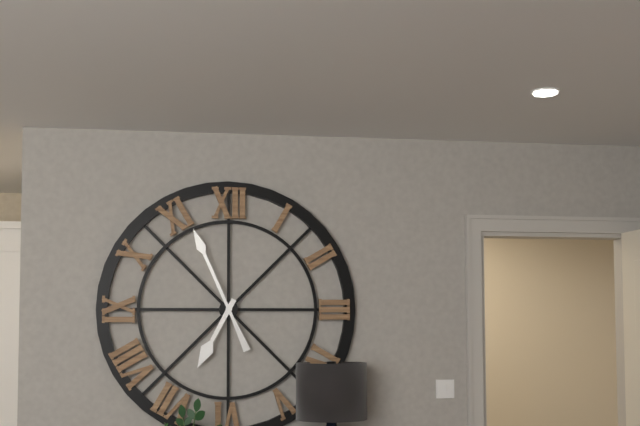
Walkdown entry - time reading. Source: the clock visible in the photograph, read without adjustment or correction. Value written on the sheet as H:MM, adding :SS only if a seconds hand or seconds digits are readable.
6:56
